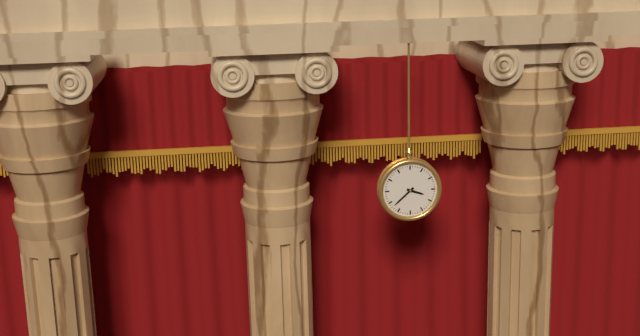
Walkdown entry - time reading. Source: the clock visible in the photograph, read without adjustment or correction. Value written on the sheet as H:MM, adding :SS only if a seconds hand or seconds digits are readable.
3:38
